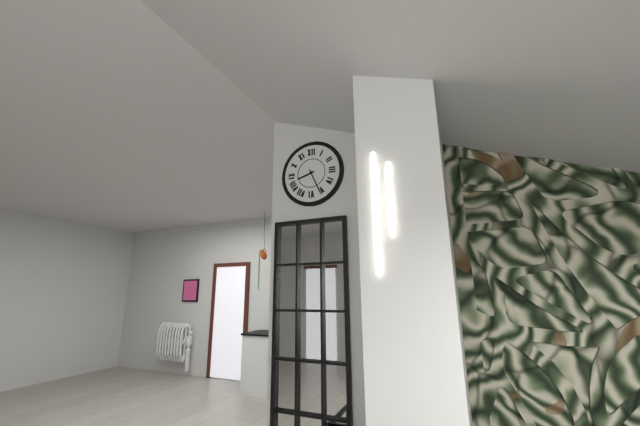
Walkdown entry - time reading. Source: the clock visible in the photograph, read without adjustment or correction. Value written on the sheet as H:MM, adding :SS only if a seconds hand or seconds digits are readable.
8:26
